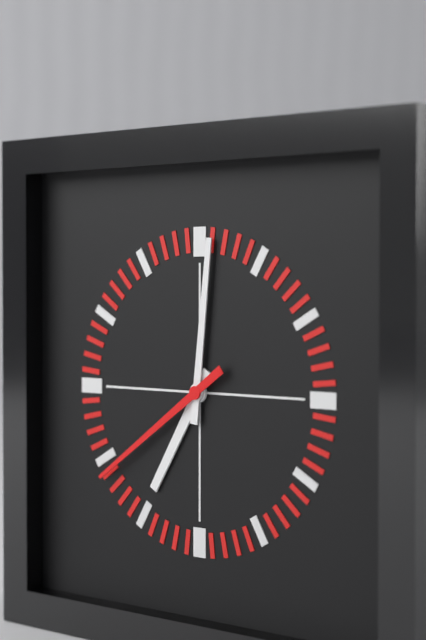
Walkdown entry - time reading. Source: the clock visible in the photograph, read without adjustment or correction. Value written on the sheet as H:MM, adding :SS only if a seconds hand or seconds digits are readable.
7:01:39
